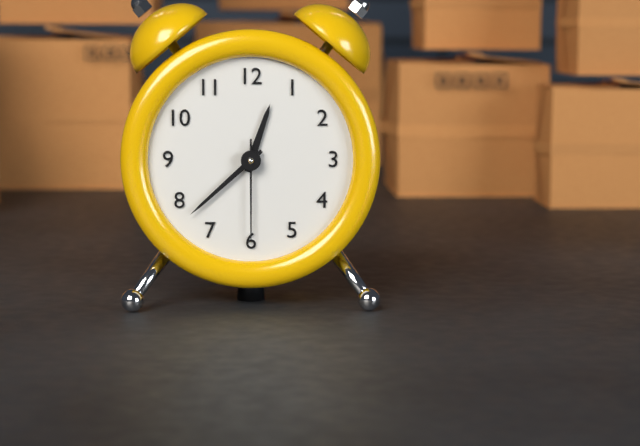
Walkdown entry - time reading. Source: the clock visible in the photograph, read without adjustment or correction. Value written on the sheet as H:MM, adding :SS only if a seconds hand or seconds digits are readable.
12:38:30
